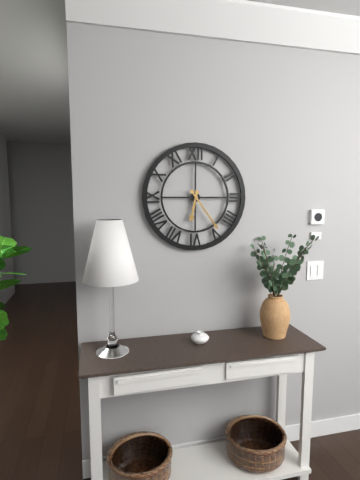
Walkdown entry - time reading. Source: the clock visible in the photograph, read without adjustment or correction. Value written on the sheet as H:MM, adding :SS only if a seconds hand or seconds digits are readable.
6:24
